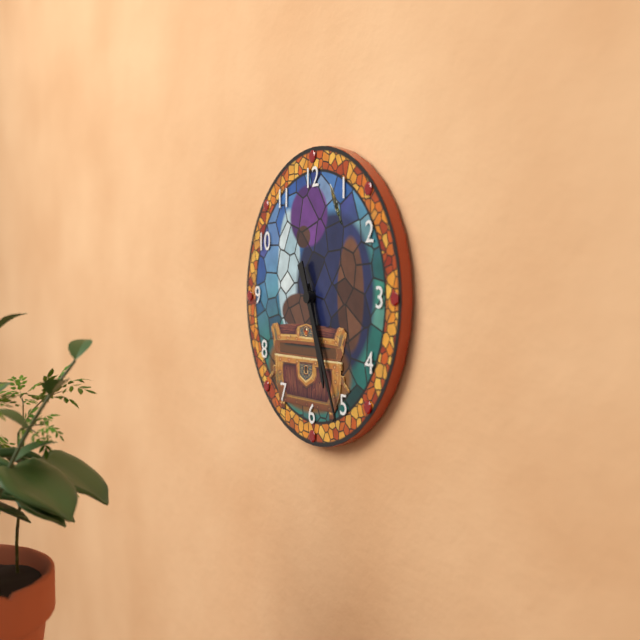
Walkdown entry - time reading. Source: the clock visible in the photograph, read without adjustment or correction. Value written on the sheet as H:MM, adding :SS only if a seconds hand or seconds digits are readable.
5:26
